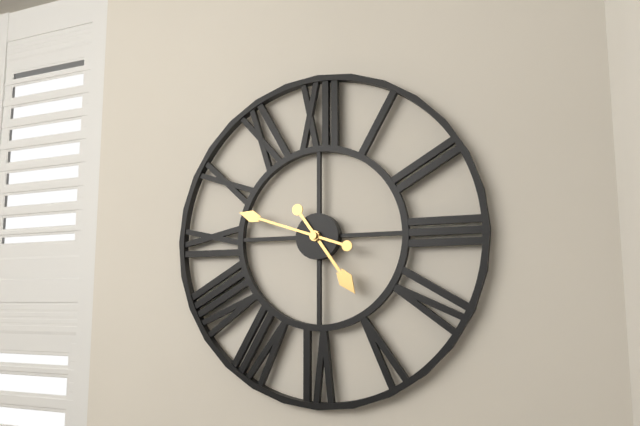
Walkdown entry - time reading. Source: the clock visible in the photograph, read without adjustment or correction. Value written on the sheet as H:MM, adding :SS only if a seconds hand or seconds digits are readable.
4:48
